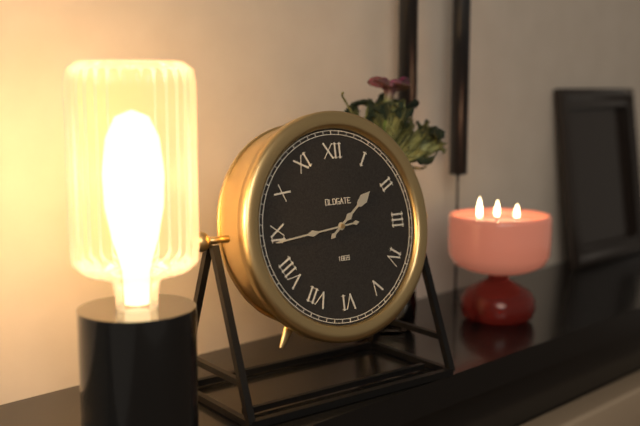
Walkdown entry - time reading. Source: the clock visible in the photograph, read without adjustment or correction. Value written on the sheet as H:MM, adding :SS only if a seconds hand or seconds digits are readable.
1:44
